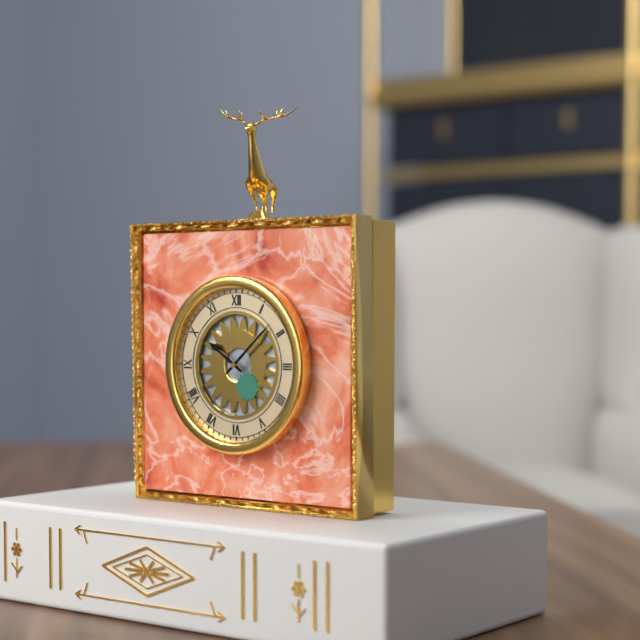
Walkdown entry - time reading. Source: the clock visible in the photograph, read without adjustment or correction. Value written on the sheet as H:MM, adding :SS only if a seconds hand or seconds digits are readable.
10:08
